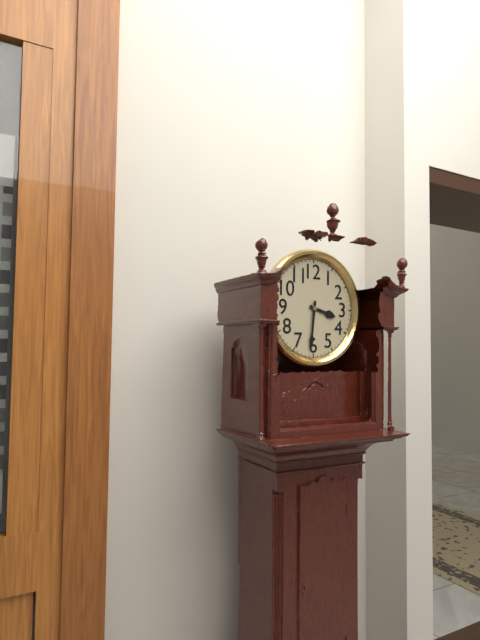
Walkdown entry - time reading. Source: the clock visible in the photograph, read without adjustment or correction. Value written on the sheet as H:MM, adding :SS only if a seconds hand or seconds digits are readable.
3:31
